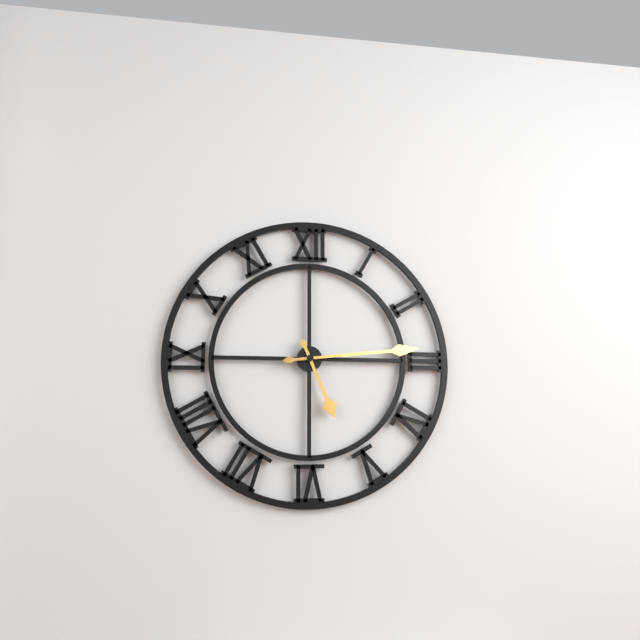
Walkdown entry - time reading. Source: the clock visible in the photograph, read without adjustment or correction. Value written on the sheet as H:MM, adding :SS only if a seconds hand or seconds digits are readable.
5:14
